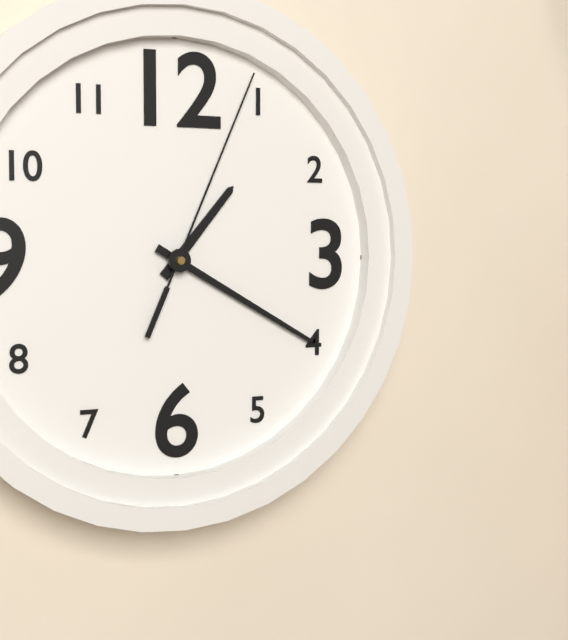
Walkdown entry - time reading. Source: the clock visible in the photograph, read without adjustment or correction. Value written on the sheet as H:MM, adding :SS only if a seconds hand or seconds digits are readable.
1:20:04
